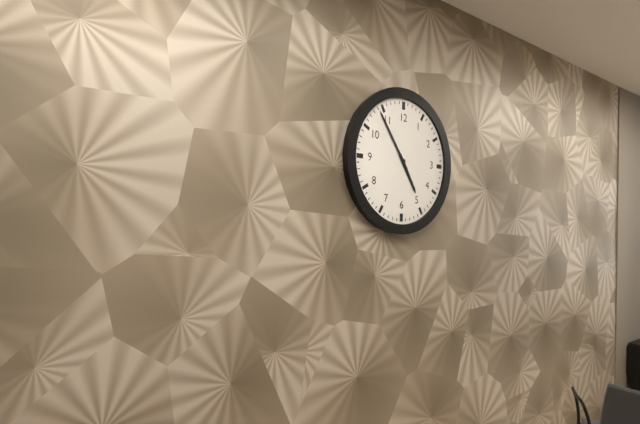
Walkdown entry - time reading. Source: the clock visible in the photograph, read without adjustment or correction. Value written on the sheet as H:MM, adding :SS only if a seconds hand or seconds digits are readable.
4:54
